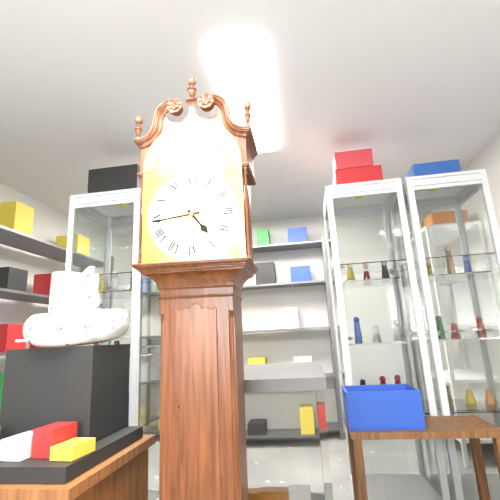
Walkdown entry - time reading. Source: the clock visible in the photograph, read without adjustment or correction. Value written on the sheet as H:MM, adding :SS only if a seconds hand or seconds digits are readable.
4:44
